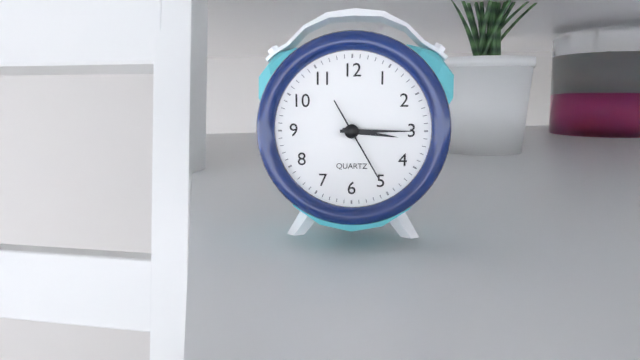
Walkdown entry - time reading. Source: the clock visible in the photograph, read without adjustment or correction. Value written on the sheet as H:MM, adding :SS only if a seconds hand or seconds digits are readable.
3:15:25
